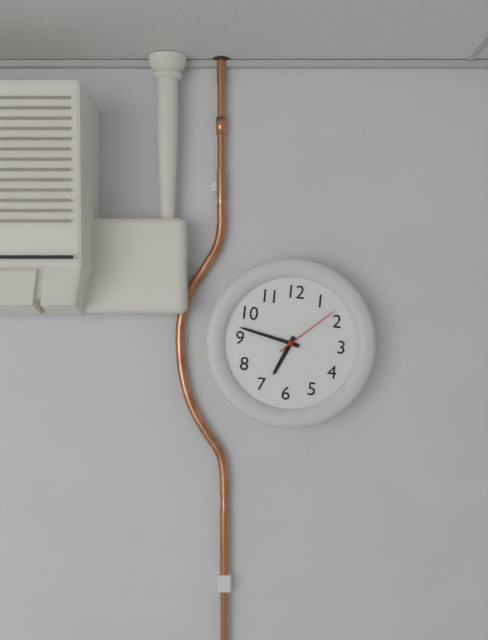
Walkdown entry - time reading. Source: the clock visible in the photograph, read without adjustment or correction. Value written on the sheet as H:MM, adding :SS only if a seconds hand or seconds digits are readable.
6:47:08
